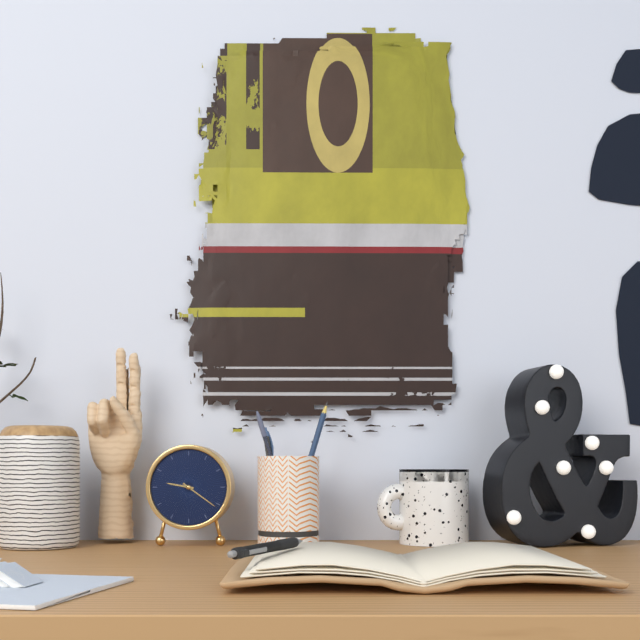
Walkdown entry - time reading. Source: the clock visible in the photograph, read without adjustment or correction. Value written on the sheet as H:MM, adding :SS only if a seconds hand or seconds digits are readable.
9:21
